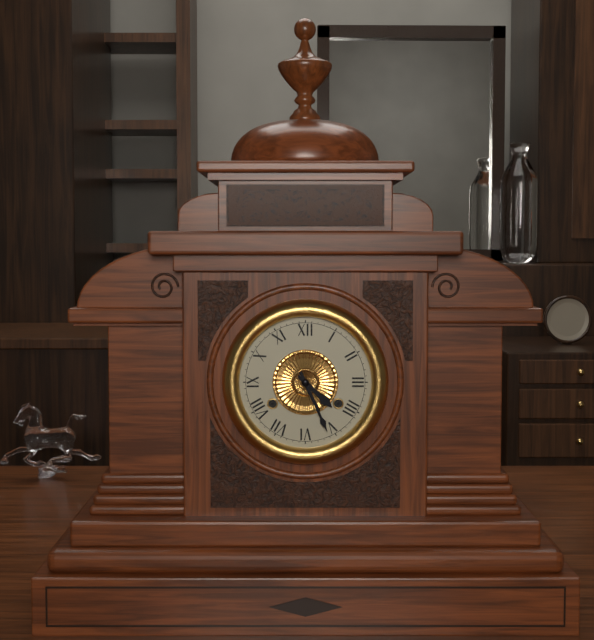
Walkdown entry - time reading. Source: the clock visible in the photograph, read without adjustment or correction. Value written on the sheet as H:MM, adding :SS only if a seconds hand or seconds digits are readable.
4:26
